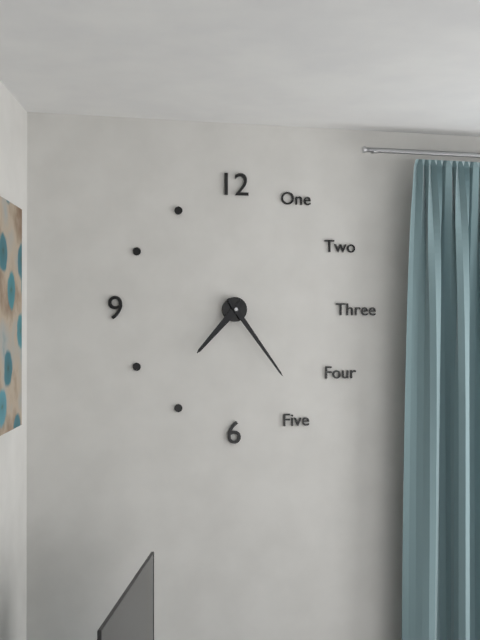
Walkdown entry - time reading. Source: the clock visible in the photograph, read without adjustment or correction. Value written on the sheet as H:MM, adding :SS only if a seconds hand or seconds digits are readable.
7:24
